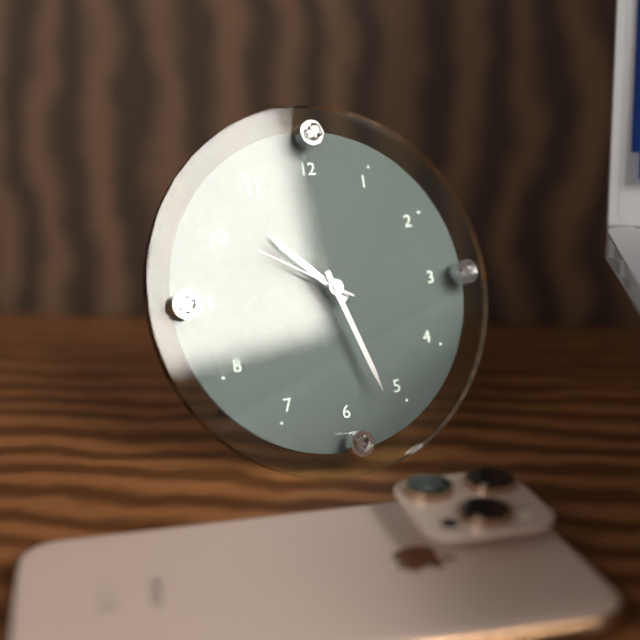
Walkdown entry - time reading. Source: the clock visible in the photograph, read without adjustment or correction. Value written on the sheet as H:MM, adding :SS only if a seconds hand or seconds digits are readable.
10:27:50
